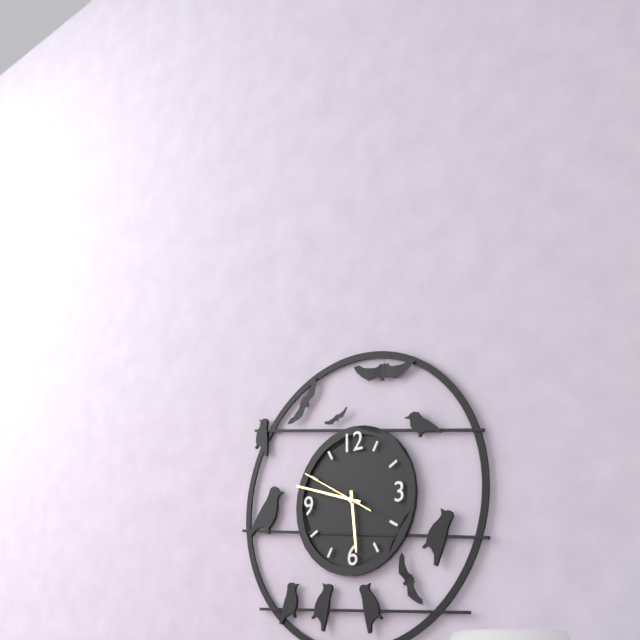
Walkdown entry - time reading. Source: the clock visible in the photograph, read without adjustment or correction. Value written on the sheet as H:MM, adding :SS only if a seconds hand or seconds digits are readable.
5:48:50
